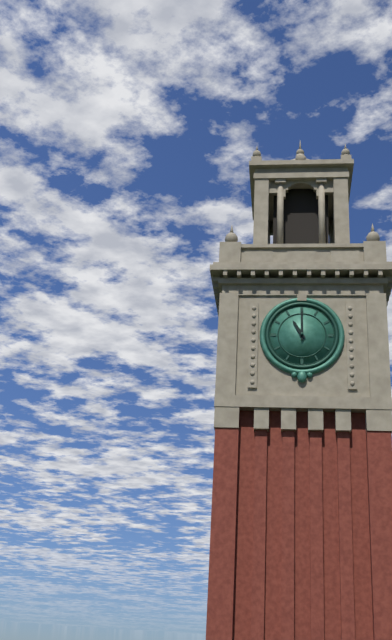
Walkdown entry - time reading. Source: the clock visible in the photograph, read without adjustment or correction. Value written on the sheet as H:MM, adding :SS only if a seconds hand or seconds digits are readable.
11:00
